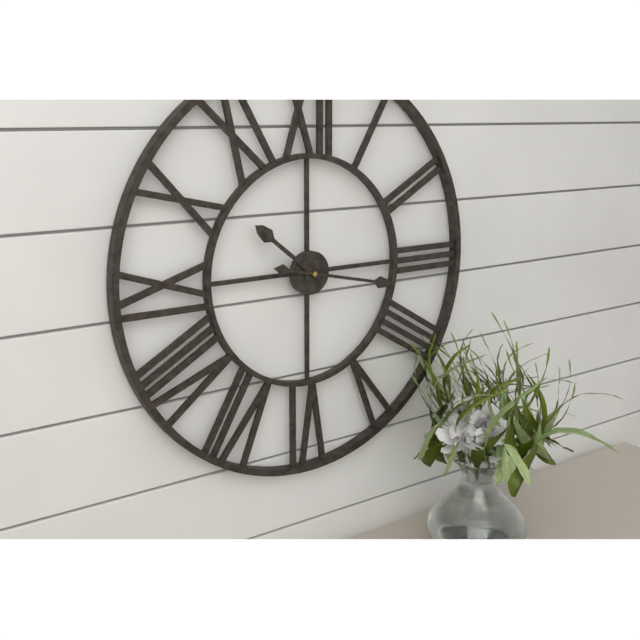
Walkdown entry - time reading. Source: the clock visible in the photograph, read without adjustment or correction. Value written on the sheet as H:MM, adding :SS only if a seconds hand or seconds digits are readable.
10:17
